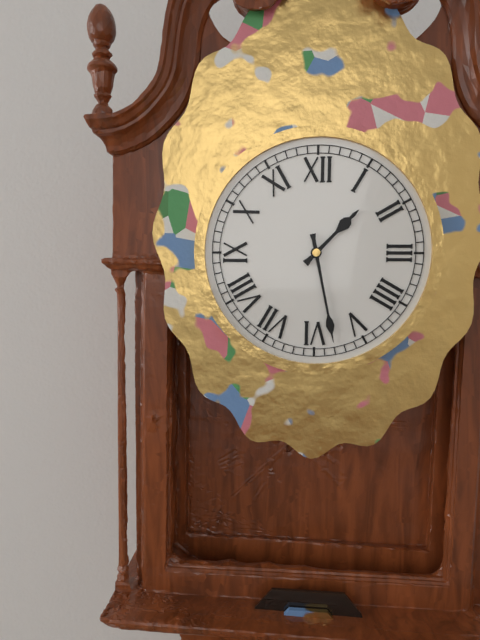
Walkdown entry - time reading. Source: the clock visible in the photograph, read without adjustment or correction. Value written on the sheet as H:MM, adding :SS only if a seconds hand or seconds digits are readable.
1:28
